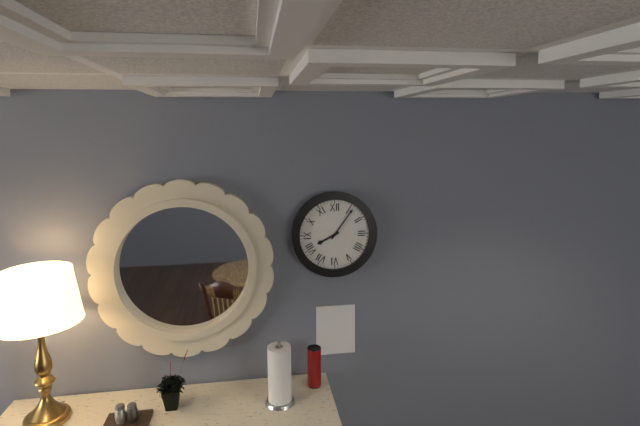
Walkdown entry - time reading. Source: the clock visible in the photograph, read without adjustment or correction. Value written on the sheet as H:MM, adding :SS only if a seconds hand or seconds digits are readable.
8:06
